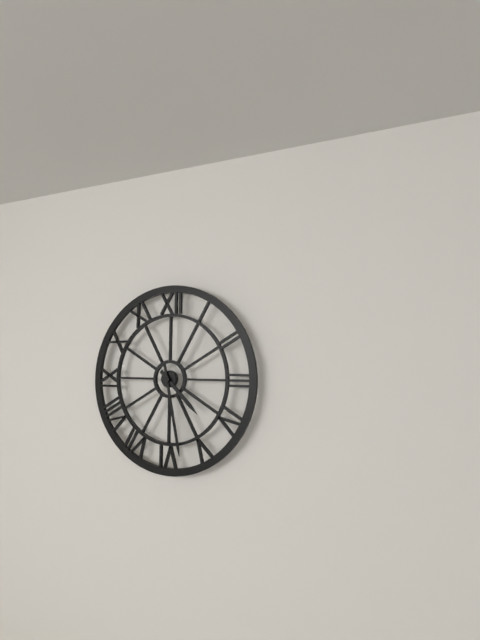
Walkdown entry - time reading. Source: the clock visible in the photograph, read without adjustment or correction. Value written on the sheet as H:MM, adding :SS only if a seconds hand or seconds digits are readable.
4:28
